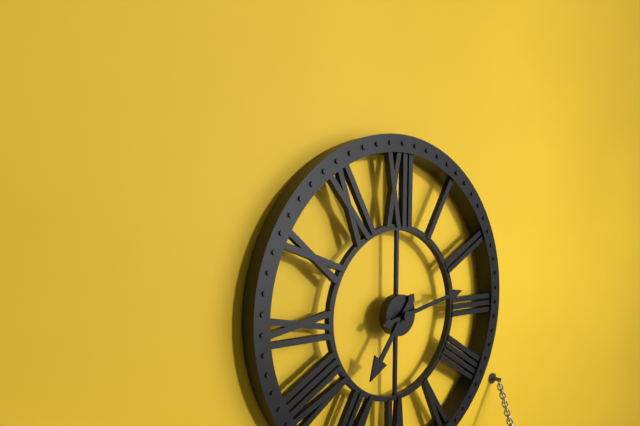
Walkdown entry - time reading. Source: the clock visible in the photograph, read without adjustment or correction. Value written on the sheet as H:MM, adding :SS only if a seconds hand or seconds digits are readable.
7:13
